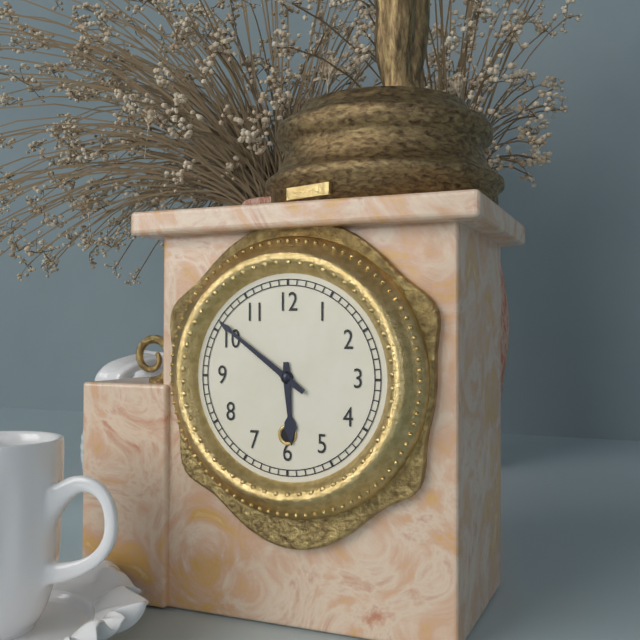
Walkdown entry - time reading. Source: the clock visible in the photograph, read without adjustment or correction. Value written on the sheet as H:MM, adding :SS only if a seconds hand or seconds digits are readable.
5:51
